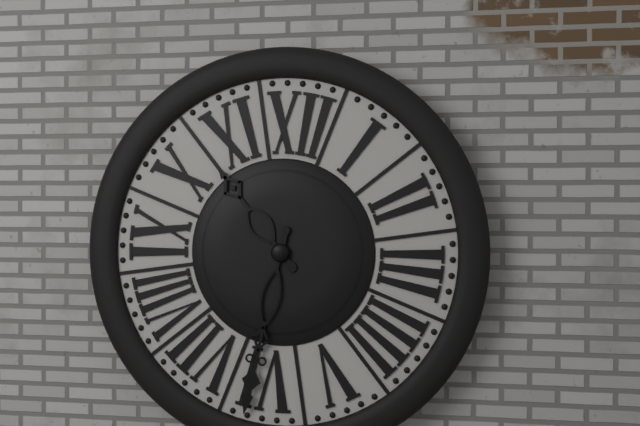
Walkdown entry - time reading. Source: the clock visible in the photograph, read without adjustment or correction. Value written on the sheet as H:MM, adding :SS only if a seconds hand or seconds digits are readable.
10:31
